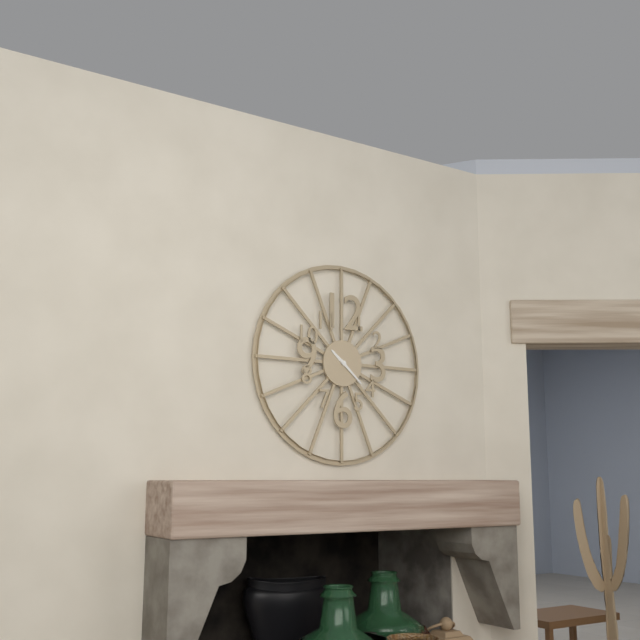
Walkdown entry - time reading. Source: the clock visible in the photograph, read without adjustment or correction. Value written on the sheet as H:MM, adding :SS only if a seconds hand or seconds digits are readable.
10:22
